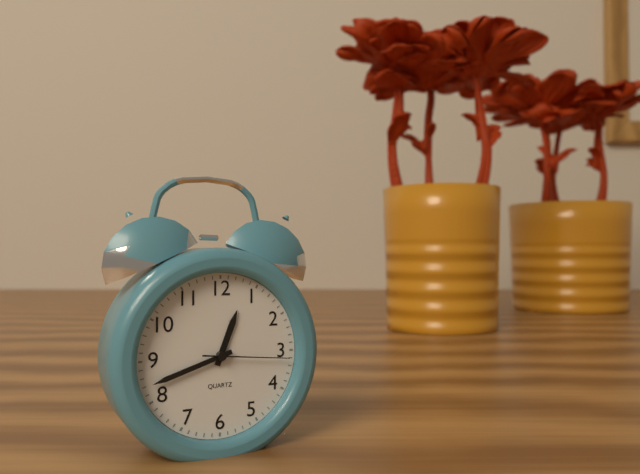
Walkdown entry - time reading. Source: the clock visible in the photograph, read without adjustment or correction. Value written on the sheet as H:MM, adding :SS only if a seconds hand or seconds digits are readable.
12:42:16
